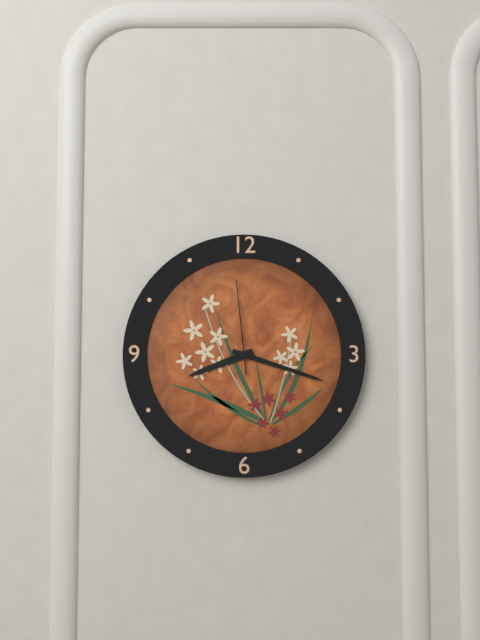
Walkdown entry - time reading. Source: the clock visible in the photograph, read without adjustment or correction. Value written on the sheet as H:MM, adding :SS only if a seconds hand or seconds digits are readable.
8:18:59
